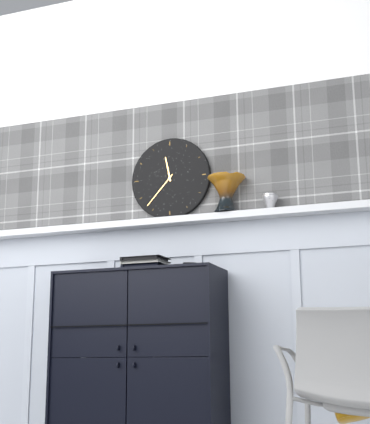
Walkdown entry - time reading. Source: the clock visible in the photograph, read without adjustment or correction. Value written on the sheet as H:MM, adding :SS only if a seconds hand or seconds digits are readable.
11:37
